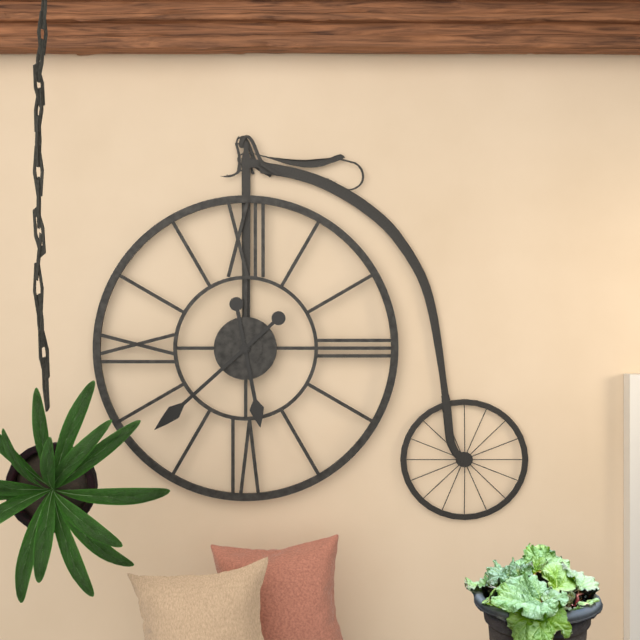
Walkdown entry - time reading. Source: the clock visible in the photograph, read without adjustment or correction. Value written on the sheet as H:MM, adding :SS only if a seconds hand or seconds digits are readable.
5:38
